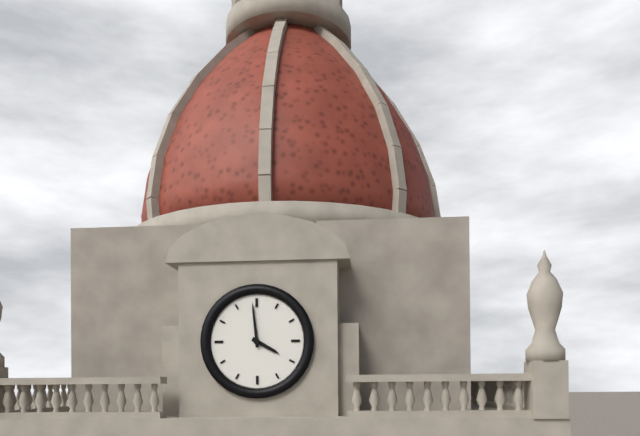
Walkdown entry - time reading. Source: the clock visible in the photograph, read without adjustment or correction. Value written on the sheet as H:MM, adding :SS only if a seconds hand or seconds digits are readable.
3:59
